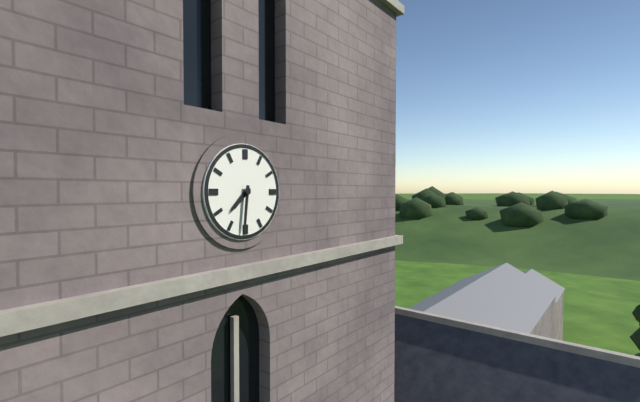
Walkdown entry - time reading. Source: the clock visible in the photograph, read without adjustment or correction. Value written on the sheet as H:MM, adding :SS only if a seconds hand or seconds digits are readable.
7:31
